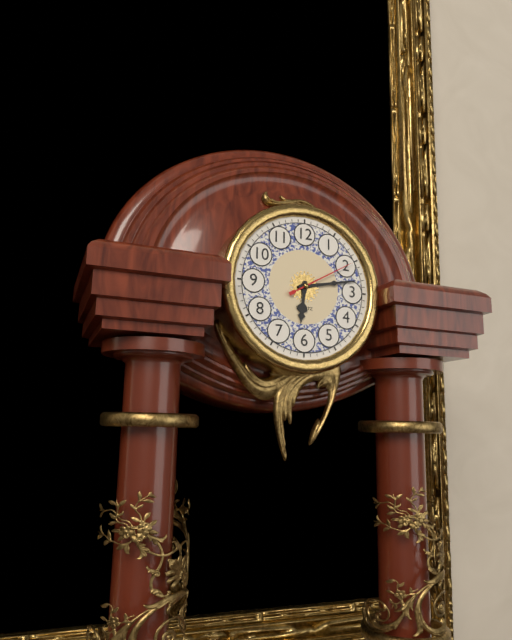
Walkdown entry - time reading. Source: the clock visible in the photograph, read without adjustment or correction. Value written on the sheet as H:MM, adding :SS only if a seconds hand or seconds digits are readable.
6:13:10
